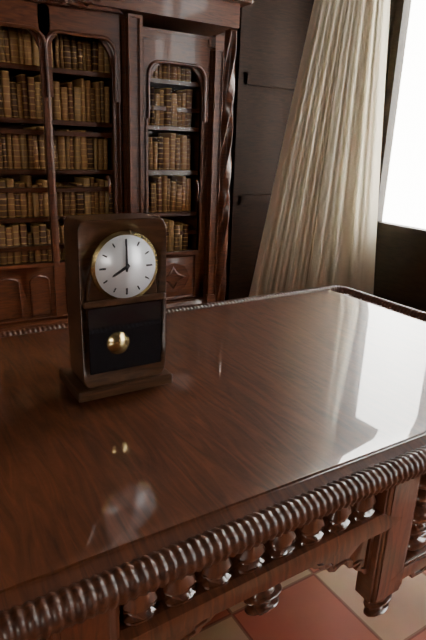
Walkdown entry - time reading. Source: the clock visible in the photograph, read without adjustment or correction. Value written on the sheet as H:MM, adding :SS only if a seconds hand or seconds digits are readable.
8:00
